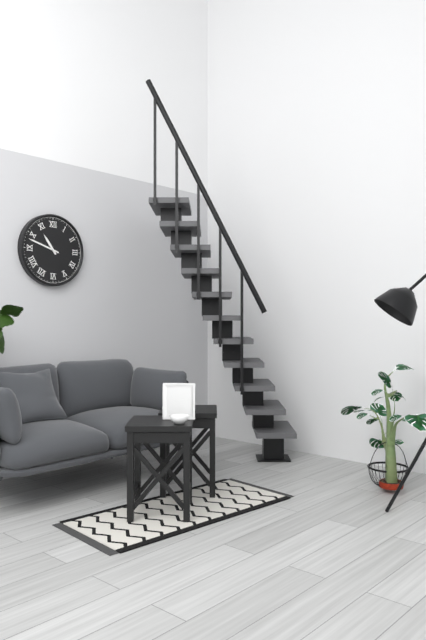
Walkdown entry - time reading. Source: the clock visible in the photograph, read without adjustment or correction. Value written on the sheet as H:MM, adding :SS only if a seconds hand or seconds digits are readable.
10:48
